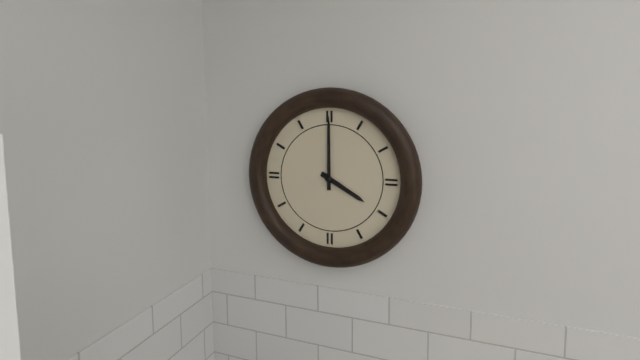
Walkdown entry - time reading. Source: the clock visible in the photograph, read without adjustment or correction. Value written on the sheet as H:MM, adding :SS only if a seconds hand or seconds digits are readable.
4:00
